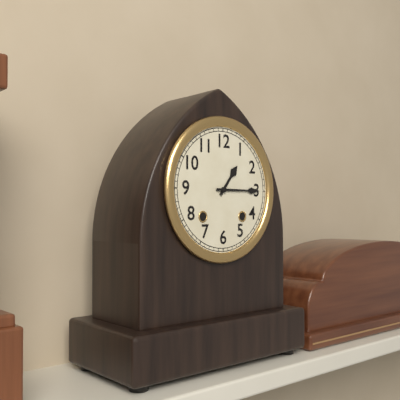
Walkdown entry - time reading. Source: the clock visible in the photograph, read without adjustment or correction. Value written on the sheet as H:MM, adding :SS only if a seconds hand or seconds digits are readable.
1:15
